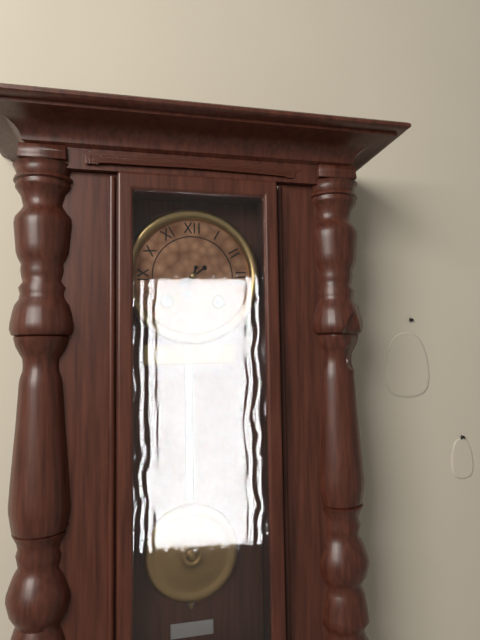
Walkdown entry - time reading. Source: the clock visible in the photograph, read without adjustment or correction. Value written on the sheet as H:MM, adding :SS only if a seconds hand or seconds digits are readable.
6:39
